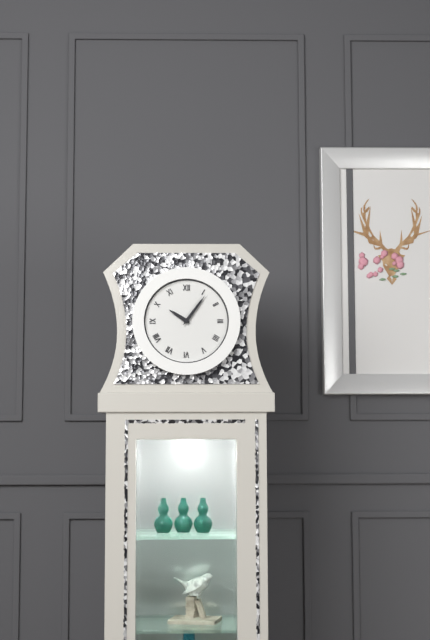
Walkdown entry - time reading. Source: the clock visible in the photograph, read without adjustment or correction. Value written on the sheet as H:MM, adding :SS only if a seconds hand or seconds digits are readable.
10:06
